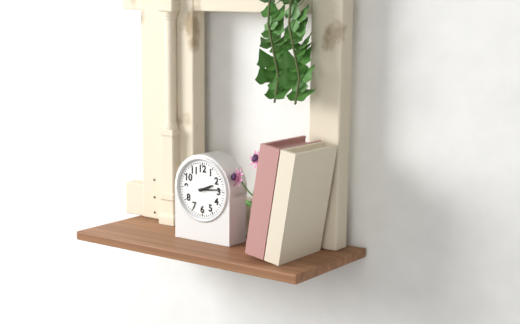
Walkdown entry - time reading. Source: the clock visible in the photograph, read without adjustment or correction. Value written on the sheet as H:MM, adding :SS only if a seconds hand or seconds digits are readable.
2:14
